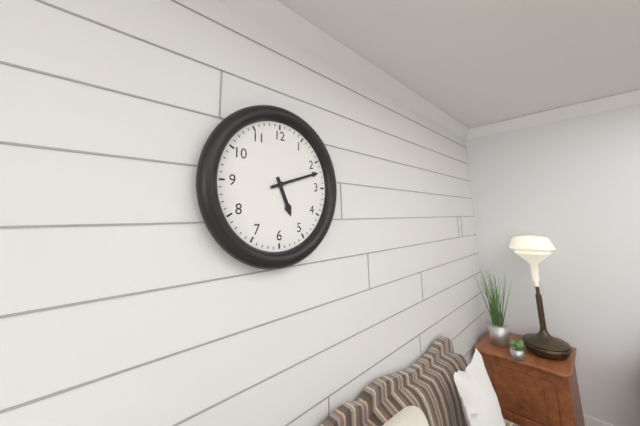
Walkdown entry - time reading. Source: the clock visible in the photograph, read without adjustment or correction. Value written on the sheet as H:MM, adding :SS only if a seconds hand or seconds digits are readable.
5:12
